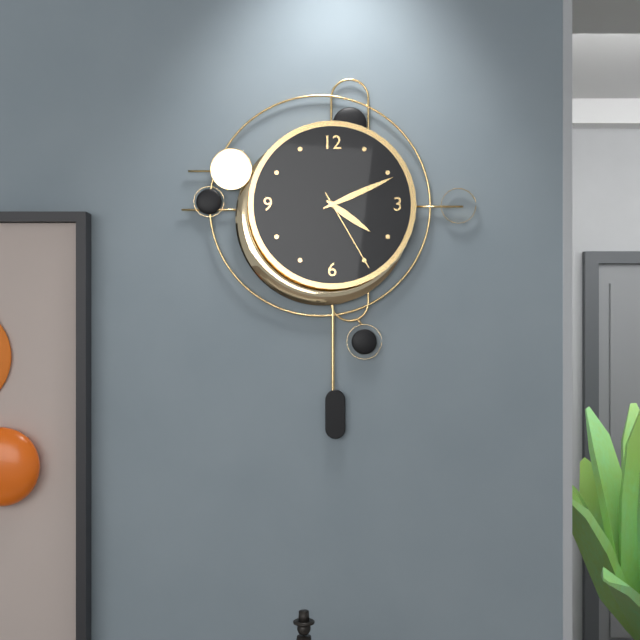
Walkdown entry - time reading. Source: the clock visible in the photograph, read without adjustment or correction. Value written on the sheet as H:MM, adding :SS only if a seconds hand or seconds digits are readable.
4:11:25
